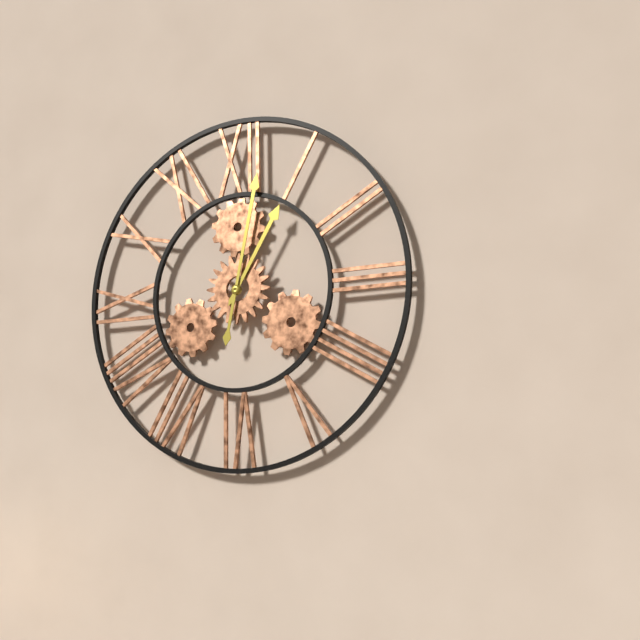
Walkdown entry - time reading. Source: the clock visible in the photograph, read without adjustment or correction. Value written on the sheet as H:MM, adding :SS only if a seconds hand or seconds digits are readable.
1:02
